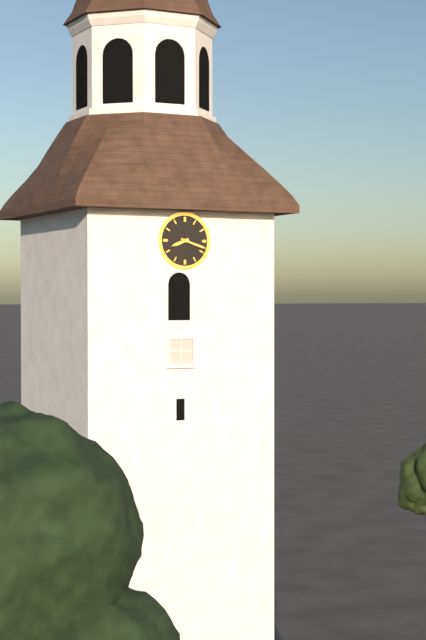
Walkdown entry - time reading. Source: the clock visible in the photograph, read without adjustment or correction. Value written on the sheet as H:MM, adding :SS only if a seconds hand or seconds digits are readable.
8:18
